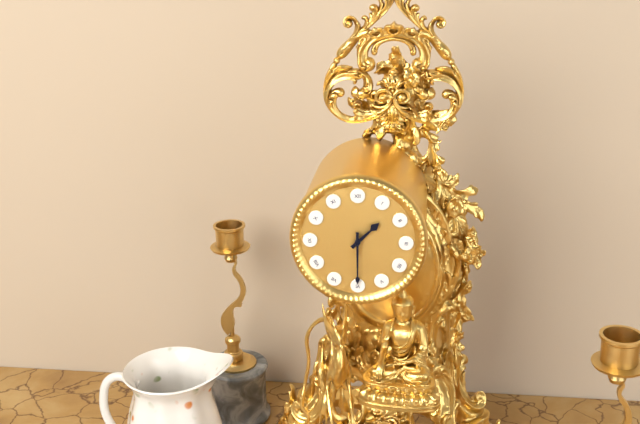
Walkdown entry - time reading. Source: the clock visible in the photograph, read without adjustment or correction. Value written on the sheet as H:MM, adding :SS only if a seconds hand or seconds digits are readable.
1:30
